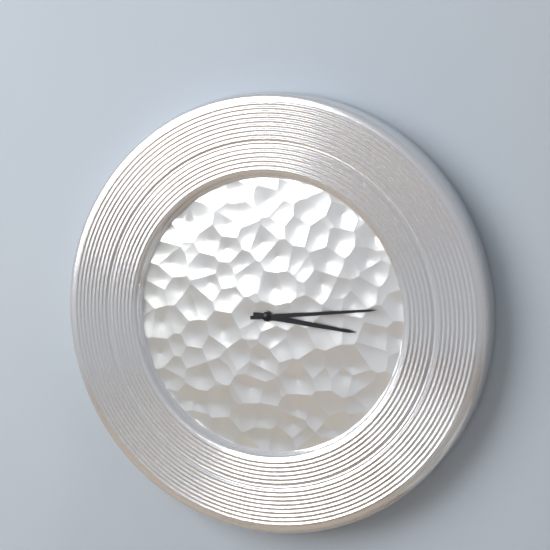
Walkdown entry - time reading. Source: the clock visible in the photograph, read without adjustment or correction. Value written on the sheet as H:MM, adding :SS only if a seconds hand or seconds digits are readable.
3:14
